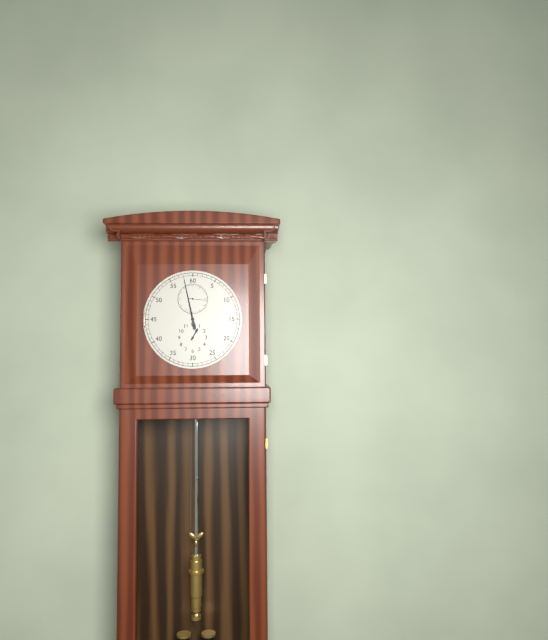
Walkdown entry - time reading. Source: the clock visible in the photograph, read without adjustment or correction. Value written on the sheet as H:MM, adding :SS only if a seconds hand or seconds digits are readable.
12:58
